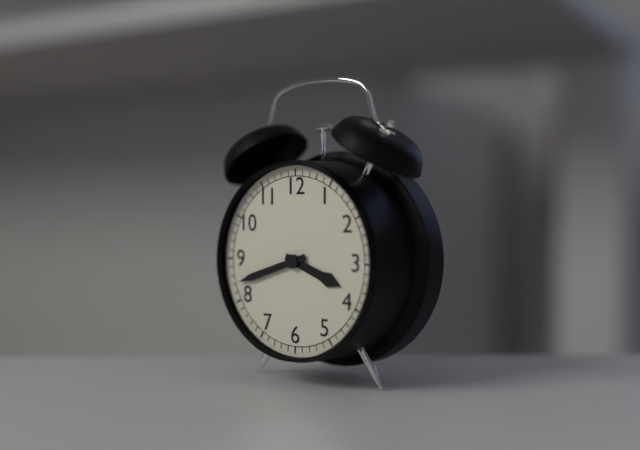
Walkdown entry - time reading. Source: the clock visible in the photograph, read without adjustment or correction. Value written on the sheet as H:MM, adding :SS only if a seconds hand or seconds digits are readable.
3:42
